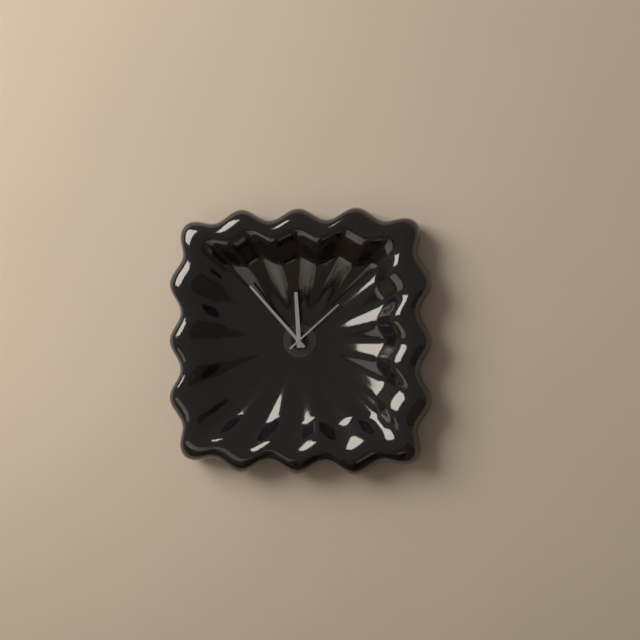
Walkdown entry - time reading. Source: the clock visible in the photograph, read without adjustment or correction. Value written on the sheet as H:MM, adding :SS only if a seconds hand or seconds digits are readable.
11:53:08
